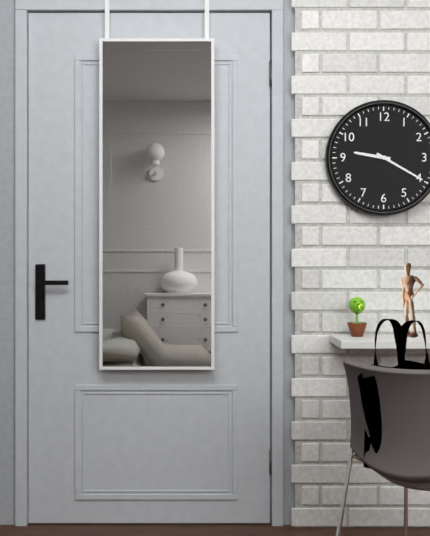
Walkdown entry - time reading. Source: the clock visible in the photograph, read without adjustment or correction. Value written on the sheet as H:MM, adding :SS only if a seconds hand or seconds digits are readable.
9:20
